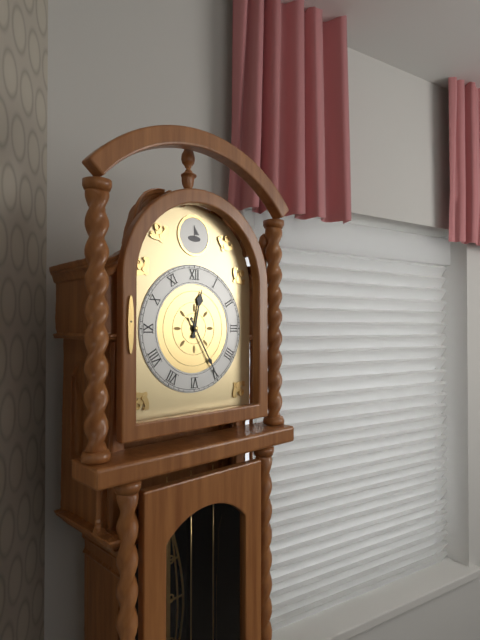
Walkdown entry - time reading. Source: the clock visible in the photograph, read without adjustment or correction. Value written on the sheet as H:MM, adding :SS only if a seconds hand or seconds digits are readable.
12:25
